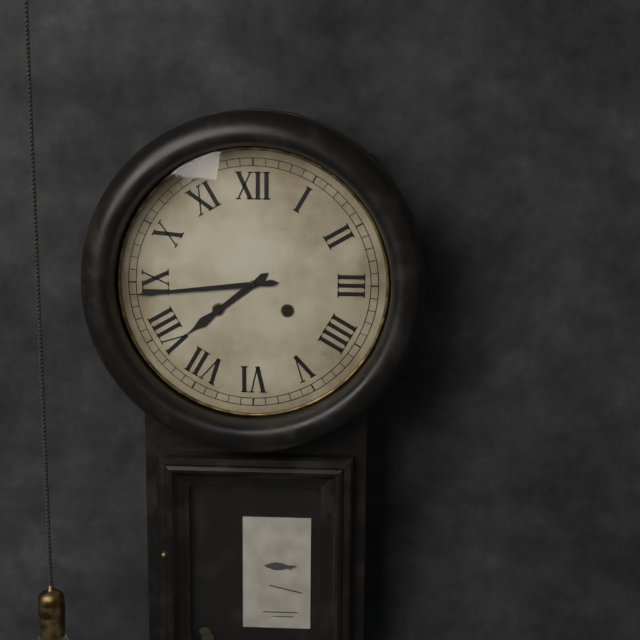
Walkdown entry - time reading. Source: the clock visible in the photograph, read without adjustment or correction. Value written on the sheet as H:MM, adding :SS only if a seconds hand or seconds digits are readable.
7:44
